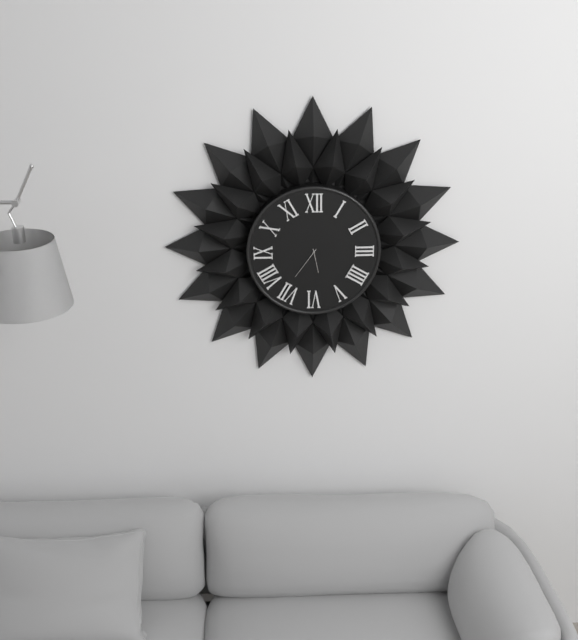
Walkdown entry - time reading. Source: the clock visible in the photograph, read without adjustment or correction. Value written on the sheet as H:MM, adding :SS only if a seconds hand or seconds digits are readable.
5:36
